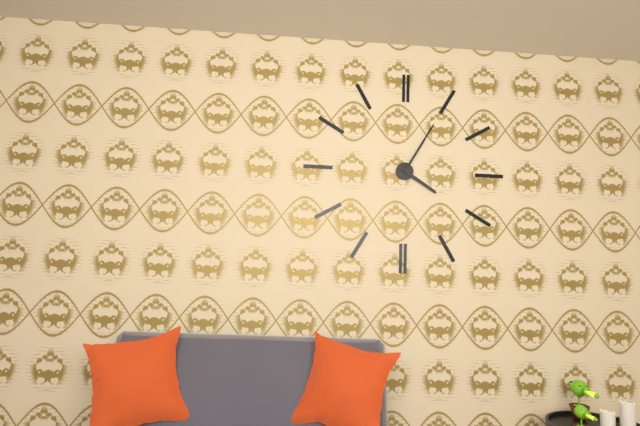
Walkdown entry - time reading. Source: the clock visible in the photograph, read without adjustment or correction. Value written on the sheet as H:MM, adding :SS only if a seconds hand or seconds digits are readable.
4:05
